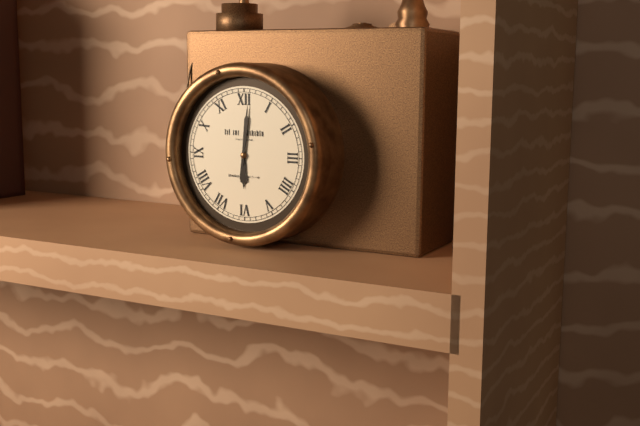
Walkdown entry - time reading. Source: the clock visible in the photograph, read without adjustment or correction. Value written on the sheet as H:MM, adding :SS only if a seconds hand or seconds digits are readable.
6:01
